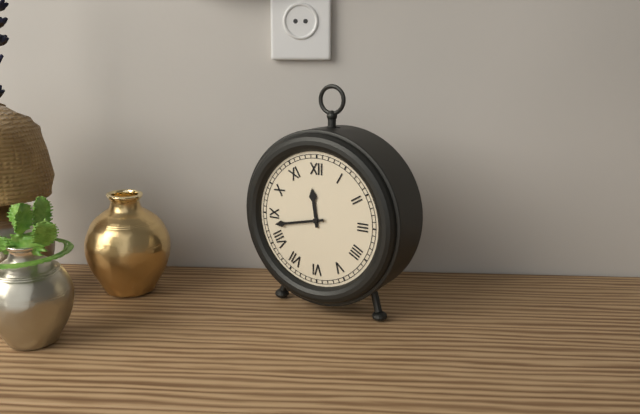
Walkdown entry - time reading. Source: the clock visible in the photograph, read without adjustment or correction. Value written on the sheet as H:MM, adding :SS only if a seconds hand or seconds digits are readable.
11:43
